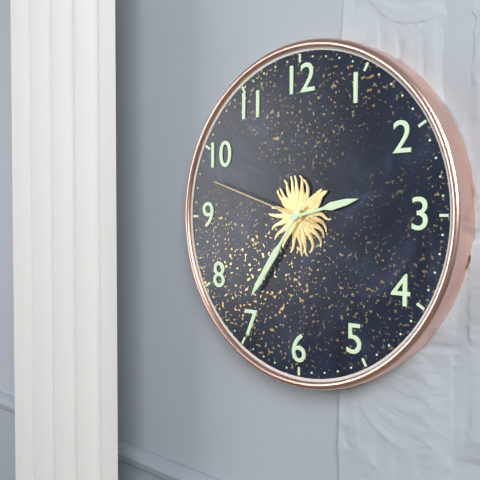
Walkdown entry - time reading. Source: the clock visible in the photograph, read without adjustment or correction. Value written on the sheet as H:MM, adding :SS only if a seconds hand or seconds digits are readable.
2:36:48
